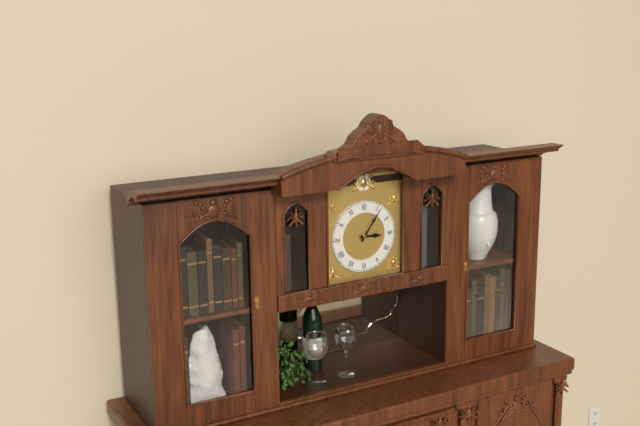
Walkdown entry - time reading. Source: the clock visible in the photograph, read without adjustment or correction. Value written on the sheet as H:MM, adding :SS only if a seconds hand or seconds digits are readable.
3:06
